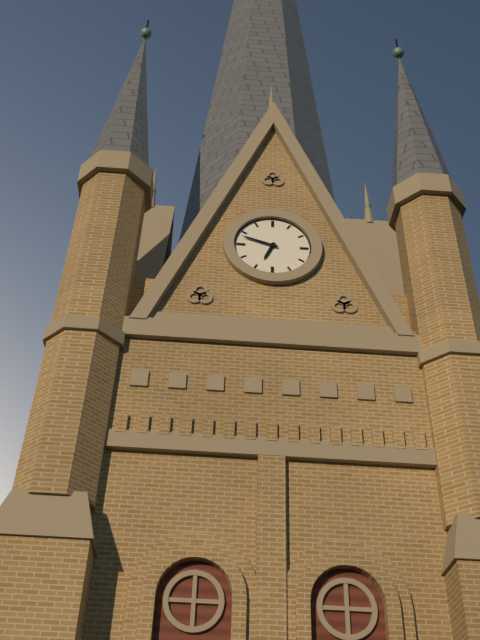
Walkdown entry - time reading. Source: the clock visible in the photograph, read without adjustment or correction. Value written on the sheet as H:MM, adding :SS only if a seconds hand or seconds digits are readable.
6:48
